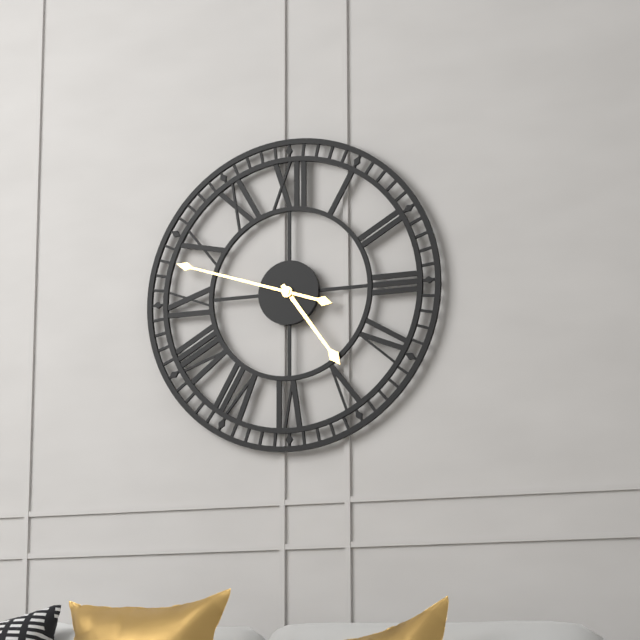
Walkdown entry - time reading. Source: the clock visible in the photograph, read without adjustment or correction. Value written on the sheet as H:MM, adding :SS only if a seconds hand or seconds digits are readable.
4:48
